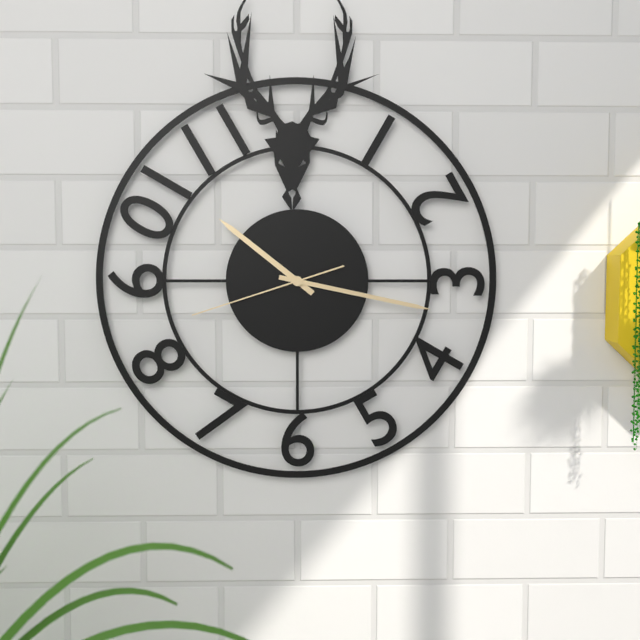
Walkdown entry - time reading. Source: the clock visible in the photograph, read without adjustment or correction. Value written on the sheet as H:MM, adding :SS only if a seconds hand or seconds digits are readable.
10:17:42
